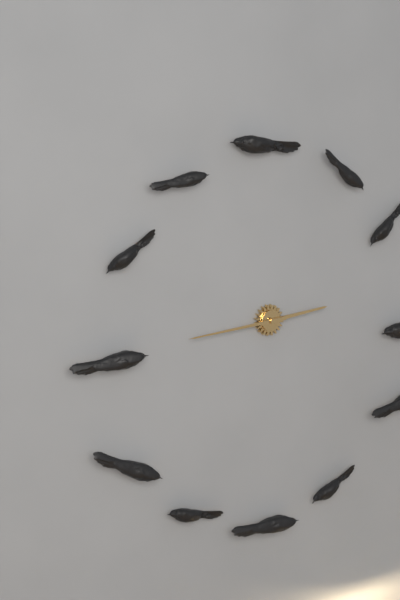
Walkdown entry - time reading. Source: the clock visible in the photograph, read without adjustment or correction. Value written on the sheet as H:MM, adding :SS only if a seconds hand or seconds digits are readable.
2:44
